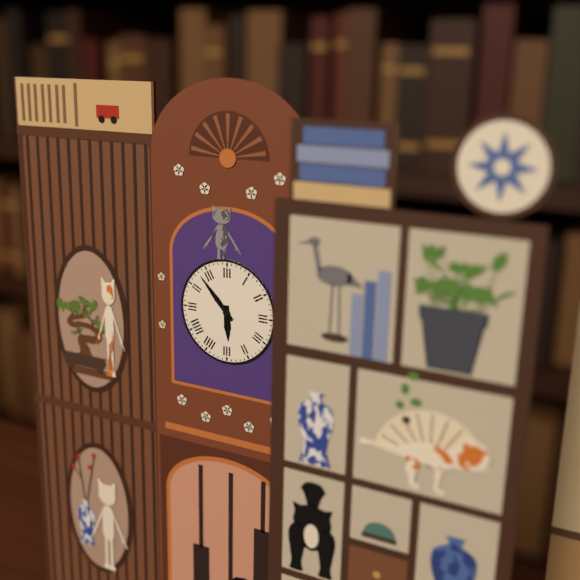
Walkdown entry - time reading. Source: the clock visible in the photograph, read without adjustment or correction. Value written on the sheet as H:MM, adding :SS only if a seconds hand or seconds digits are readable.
5:53
